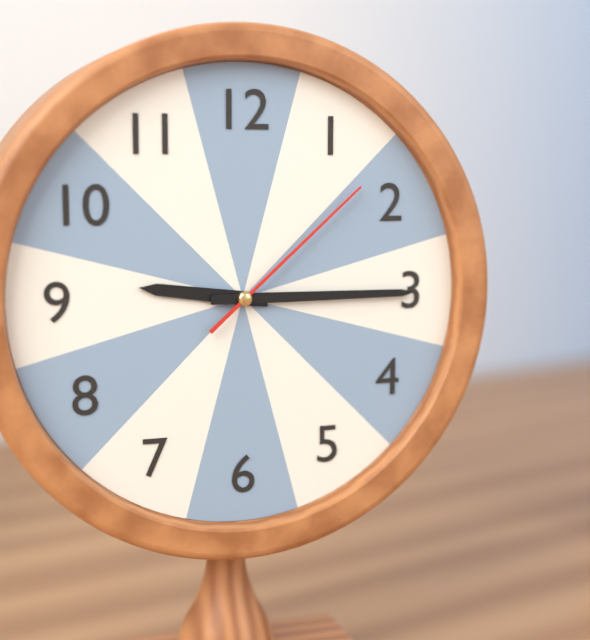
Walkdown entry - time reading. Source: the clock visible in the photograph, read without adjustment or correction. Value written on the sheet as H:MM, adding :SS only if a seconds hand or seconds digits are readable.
9:15:08
